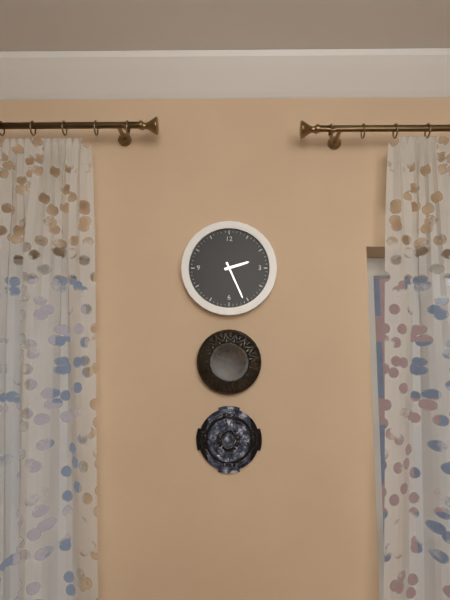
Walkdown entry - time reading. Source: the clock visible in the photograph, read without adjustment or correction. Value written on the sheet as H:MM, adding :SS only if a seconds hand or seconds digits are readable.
2:26
